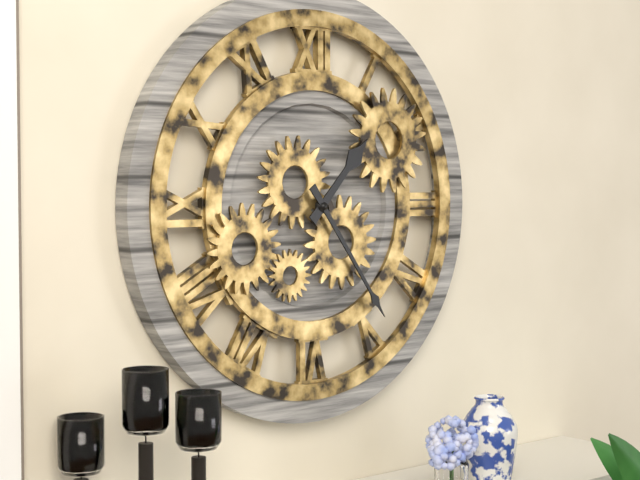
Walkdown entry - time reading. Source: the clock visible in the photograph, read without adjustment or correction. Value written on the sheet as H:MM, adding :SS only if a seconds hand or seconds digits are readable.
1:24
